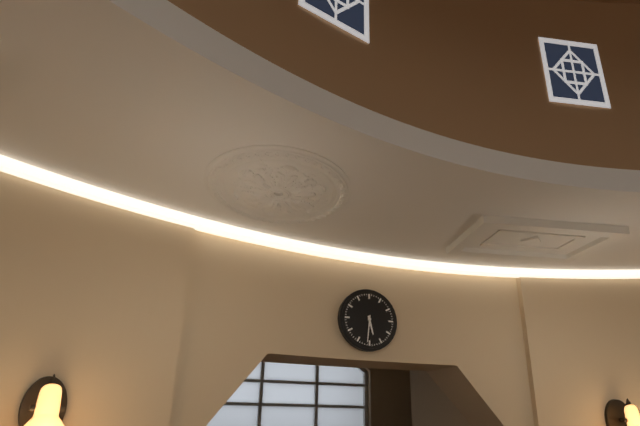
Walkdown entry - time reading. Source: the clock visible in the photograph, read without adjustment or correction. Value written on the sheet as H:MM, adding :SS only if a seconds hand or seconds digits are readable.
5:31
